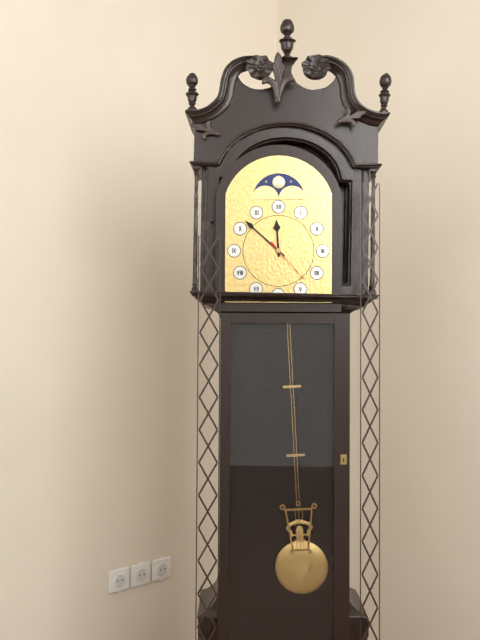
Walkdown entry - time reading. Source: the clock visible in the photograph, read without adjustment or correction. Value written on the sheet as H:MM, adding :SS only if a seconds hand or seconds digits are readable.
11:52
